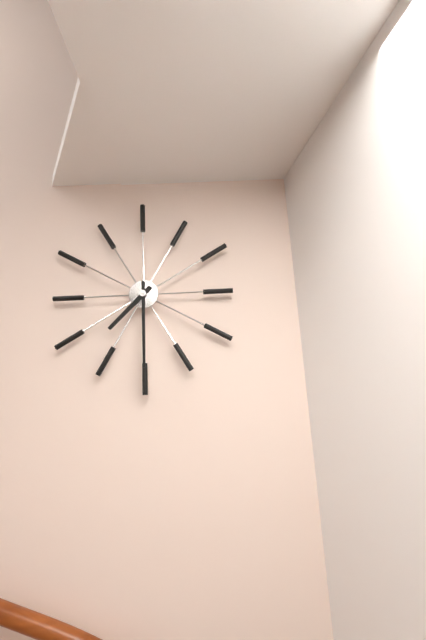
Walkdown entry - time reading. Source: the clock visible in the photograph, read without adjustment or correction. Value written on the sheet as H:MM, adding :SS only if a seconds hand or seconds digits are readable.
7:30
